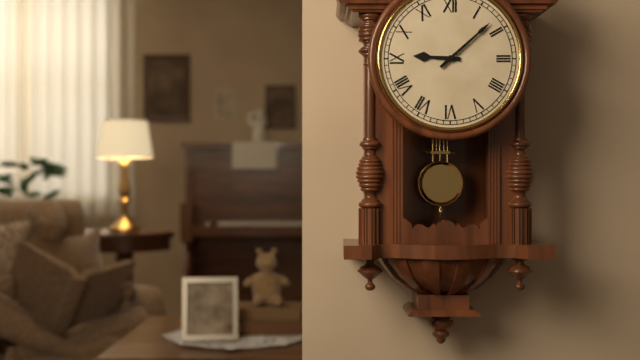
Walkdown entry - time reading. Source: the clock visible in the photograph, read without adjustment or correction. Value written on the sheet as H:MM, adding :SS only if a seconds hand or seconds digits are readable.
9:08
